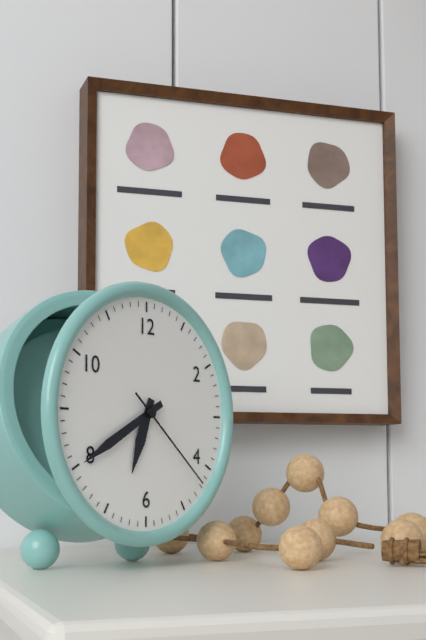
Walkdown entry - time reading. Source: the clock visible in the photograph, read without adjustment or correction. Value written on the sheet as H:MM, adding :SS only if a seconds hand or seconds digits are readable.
6:40:22
